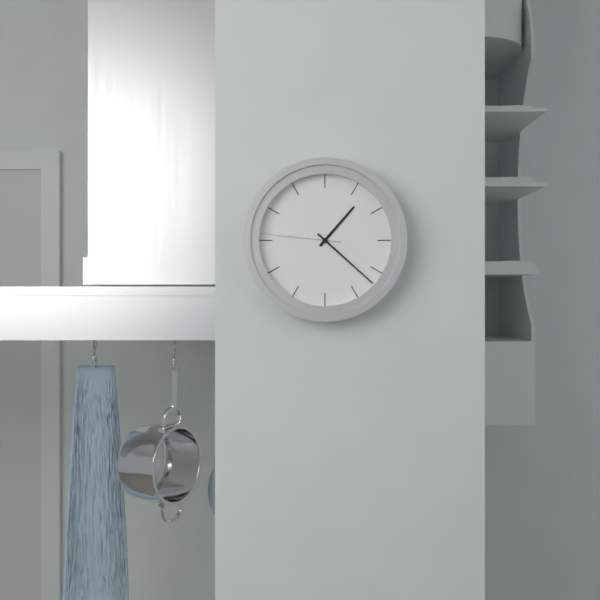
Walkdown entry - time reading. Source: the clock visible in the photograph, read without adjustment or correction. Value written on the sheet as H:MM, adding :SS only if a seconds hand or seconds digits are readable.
1:22:46
